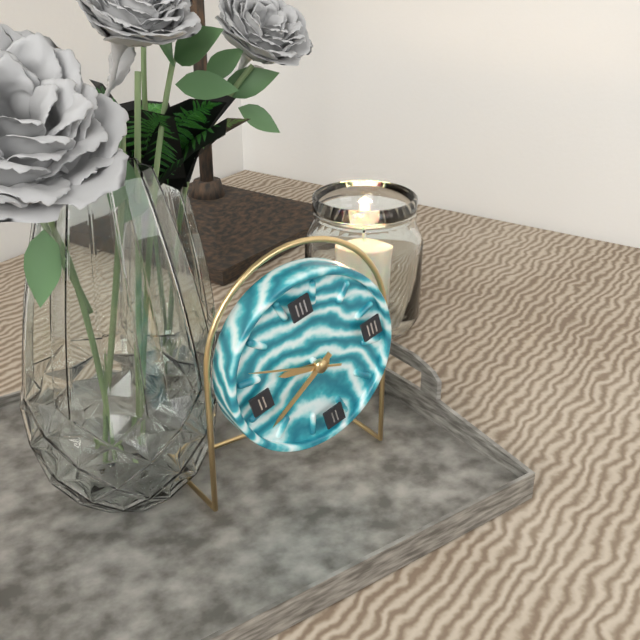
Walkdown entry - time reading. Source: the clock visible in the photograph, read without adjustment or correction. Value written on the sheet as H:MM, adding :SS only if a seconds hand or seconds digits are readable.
9:41:50
